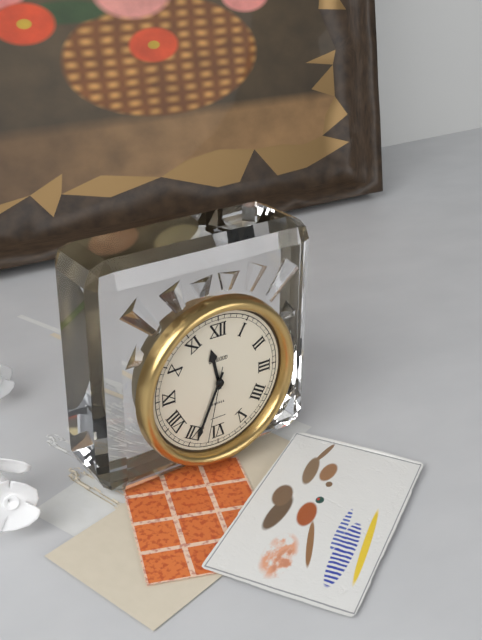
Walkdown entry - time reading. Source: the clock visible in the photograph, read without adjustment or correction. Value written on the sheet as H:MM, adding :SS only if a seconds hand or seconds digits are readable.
11:34:32
